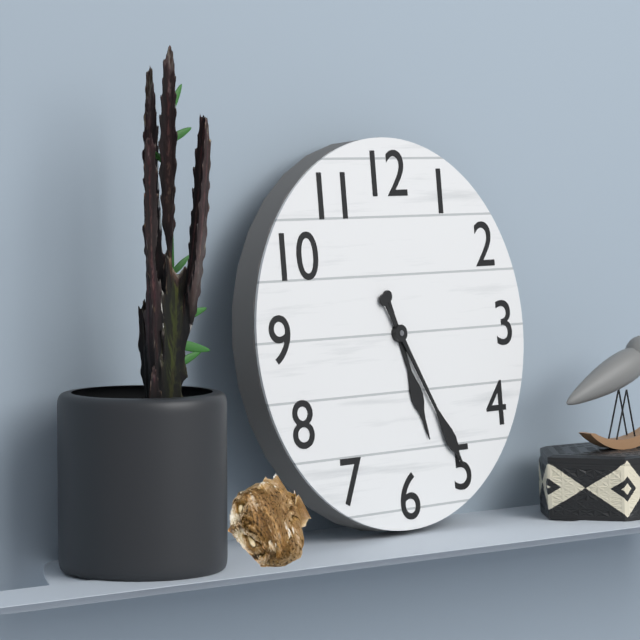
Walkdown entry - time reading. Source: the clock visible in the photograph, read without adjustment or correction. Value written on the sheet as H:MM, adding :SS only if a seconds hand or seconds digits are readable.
5:25
